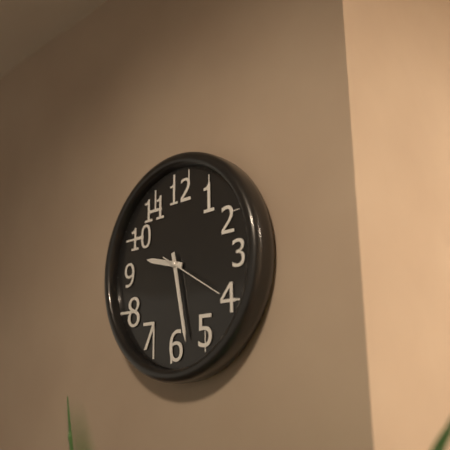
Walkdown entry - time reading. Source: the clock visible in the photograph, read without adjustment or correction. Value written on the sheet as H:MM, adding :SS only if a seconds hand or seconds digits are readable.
9:28:20
